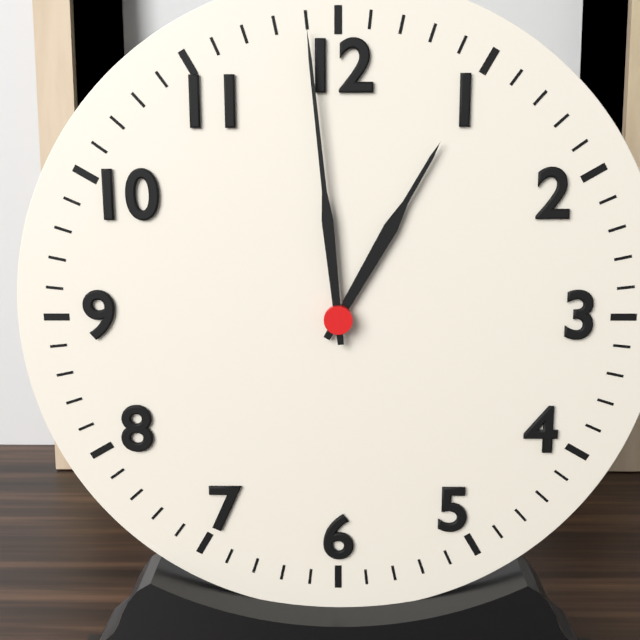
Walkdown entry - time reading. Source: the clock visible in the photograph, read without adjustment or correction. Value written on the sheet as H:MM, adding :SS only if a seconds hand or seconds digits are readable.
12:59
